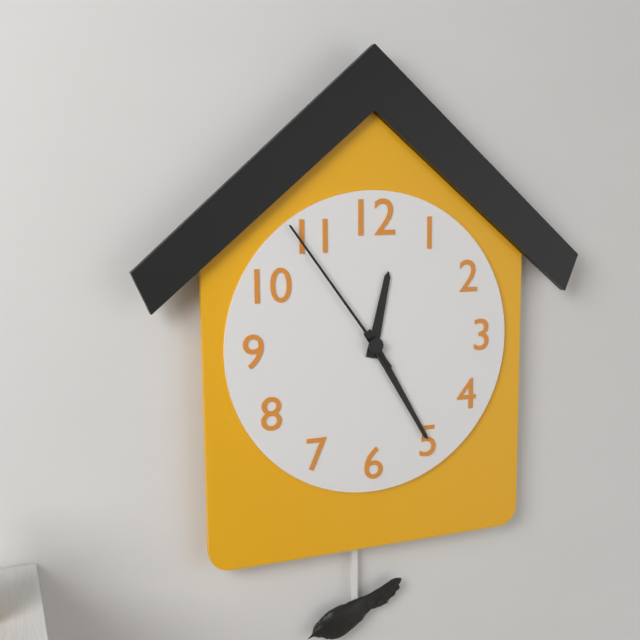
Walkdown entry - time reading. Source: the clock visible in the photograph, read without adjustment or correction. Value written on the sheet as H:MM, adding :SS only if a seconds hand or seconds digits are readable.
12:25:54
